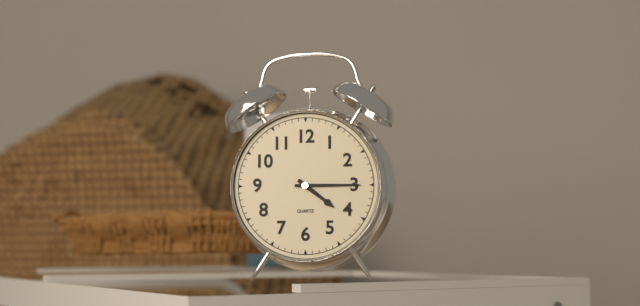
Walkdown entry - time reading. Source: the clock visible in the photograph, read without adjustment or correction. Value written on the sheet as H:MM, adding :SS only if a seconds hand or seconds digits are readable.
4:15
